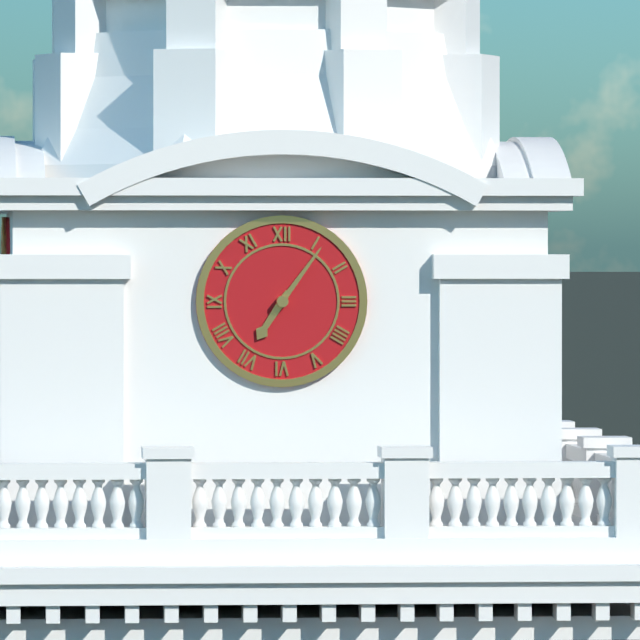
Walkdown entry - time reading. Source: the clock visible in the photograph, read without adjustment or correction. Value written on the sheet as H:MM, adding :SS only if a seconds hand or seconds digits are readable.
7:06
